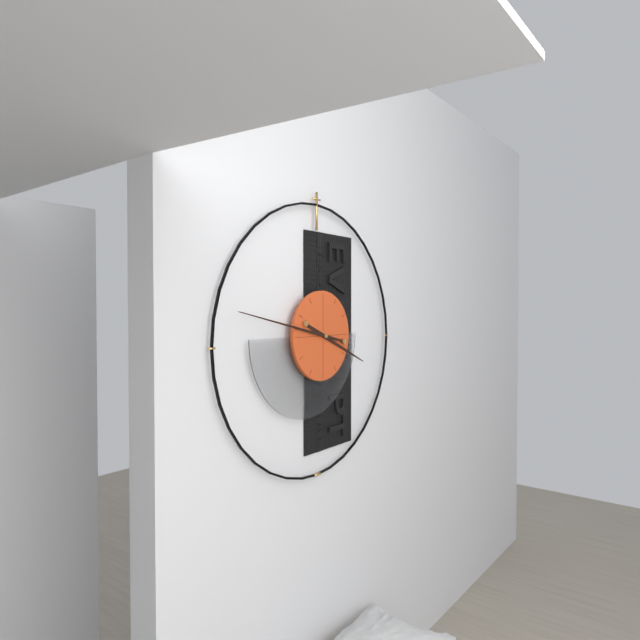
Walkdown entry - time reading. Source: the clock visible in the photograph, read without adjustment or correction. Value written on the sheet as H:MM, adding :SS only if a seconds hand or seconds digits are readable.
3:47
